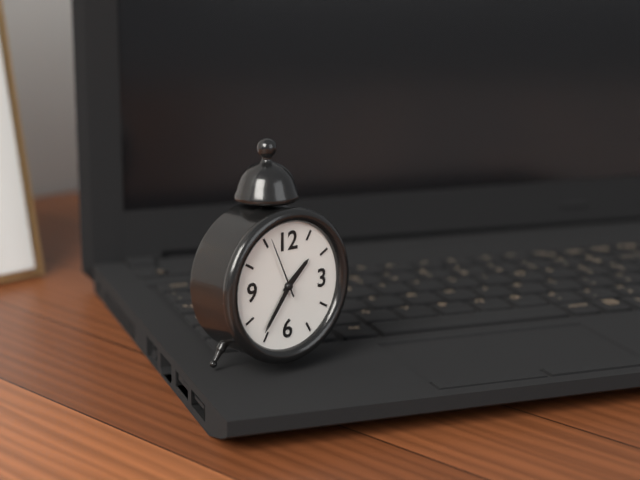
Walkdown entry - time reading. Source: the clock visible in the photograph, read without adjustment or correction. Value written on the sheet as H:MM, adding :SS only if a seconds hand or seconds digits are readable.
1:36:56
